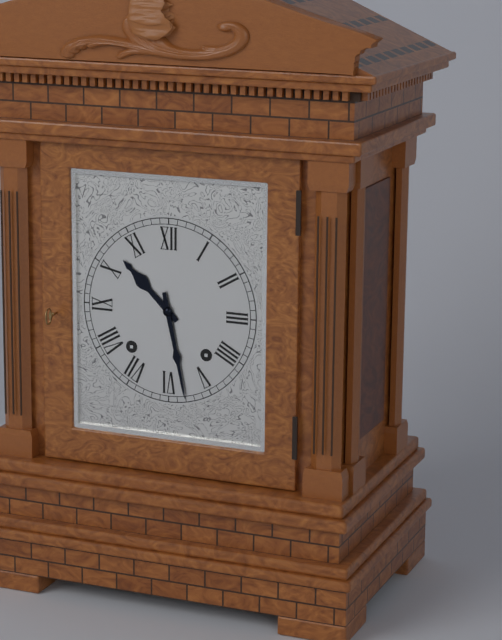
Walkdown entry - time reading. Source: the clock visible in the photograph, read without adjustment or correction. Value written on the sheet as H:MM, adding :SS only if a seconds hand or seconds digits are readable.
10:28
